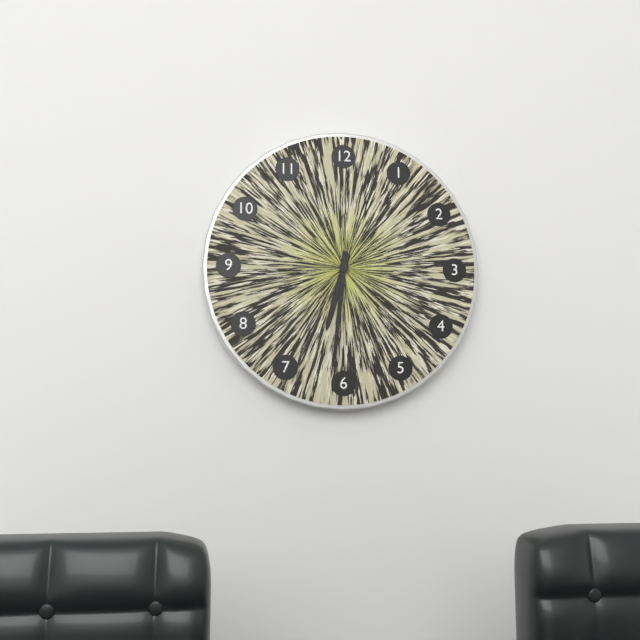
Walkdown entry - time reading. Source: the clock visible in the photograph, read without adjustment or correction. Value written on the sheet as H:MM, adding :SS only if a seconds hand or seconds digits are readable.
6:31
